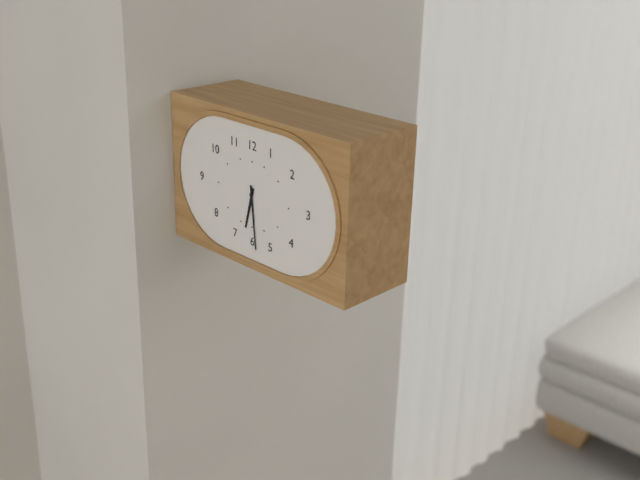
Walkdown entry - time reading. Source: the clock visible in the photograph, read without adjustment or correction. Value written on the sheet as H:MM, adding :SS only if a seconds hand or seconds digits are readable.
6:29
